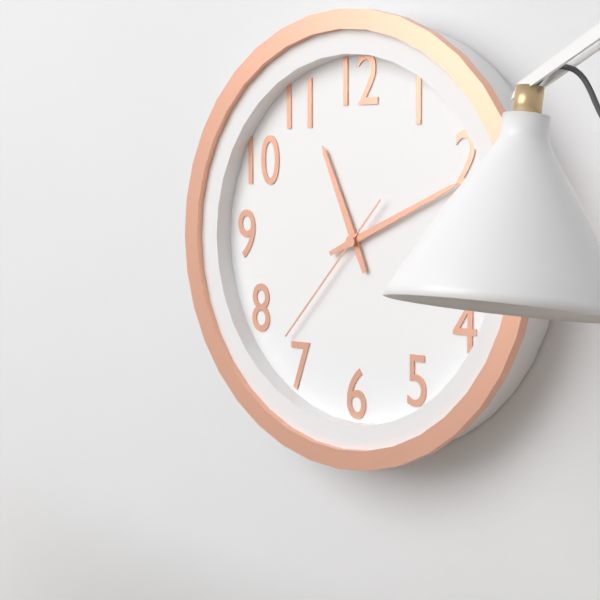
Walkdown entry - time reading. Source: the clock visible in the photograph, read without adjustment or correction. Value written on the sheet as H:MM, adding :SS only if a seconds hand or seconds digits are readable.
11:11:37
